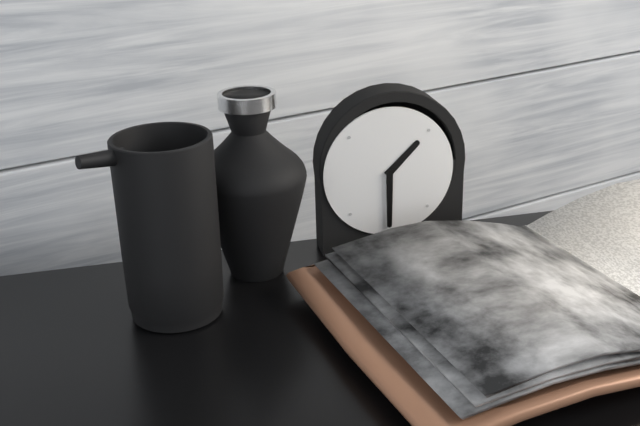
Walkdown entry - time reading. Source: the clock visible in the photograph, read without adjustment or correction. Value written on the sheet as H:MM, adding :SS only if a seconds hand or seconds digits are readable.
1:30
